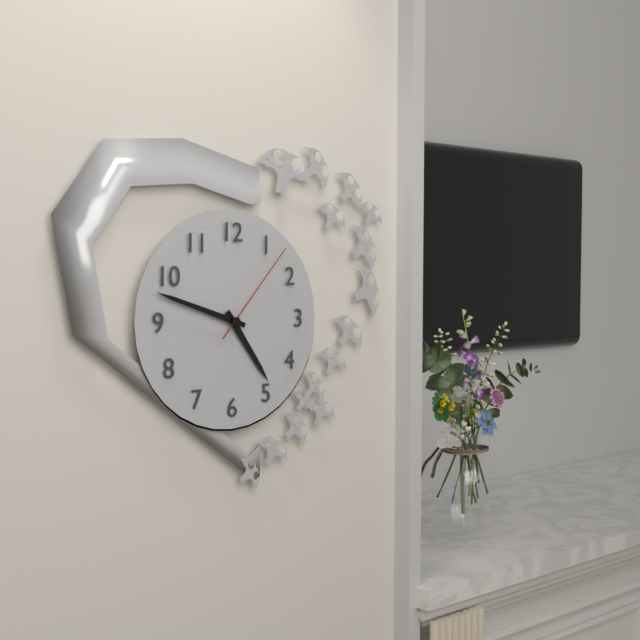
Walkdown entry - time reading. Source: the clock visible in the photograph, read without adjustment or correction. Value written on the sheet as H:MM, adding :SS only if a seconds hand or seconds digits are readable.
4:48:07
